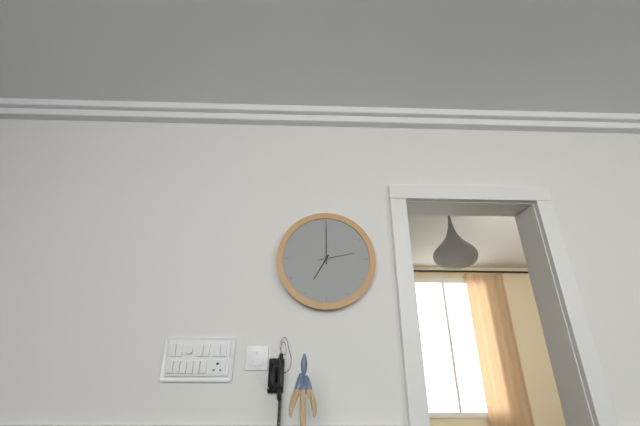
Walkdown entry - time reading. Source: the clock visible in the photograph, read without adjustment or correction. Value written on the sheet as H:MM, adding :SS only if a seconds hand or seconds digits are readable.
7:00
